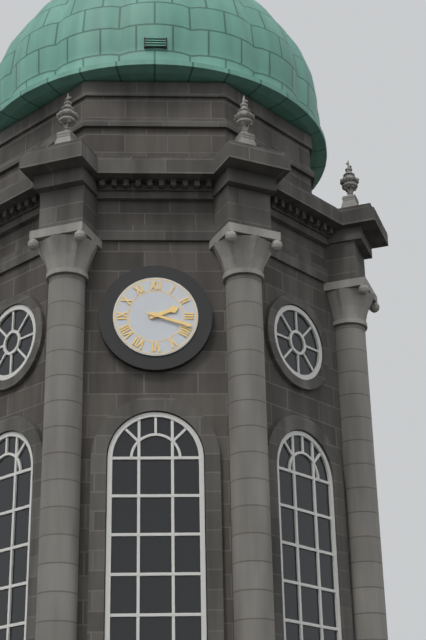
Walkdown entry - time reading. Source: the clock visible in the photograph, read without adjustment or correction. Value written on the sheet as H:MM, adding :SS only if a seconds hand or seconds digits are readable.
2:18
